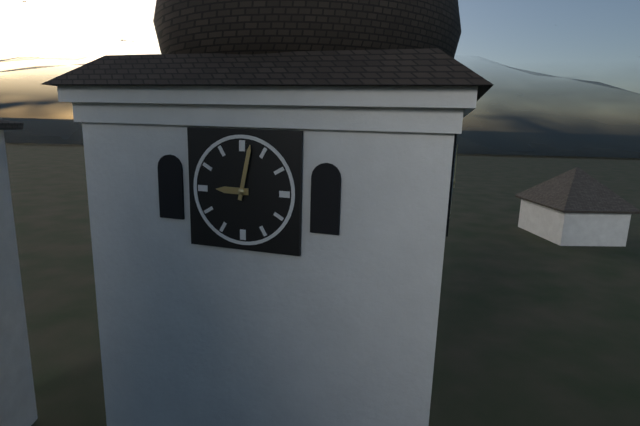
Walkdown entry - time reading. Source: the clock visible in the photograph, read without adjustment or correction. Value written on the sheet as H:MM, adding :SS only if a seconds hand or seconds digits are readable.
9:02
